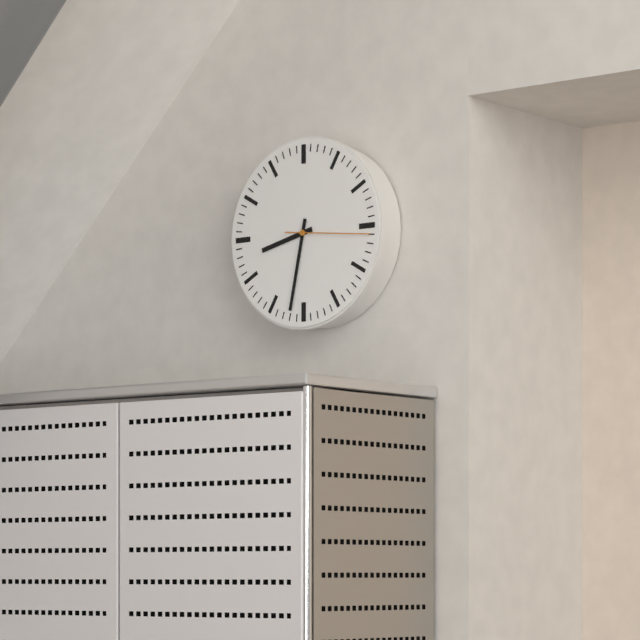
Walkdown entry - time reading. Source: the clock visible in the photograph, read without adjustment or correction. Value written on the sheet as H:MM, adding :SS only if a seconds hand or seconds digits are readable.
8:32:16
